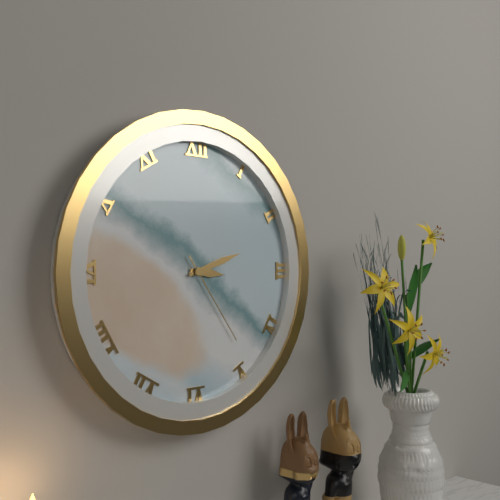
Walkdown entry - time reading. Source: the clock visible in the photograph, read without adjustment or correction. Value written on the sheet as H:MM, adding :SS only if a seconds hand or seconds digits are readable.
3:12:24
